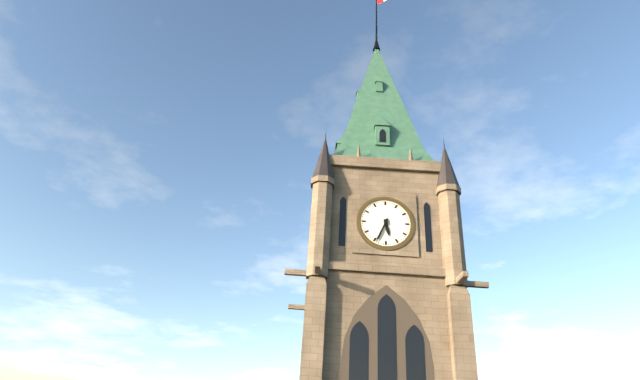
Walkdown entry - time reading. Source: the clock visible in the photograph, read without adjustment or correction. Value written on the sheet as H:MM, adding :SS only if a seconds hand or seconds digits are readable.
5:34
